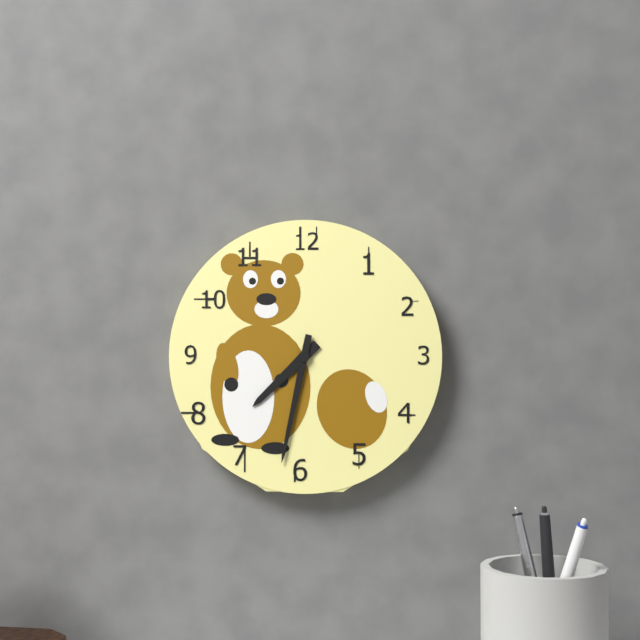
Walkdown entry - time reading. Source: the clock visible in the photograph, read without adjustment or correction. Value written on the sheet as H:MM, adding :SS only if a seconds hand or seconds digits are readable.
7:32
